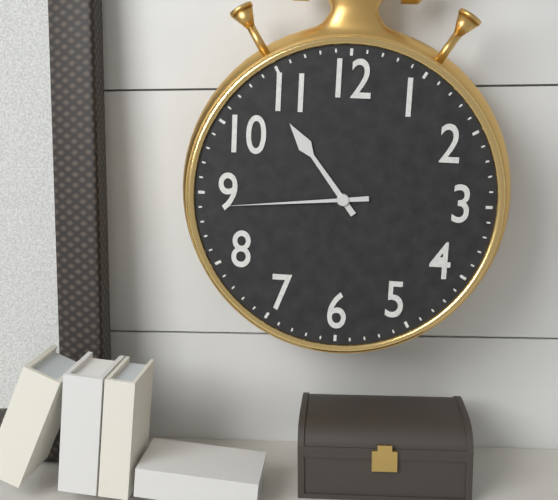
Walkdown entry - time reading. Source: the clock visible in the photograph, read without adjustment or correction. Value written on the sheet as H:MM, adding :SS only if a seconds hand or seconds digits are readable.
10:44
